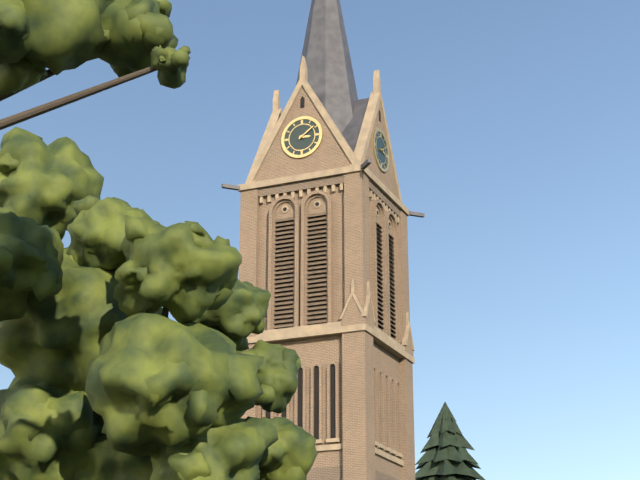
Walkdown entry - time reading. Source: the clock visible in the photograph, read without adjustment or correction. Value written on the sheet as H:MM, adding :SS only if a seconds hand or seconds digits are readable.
3:09
